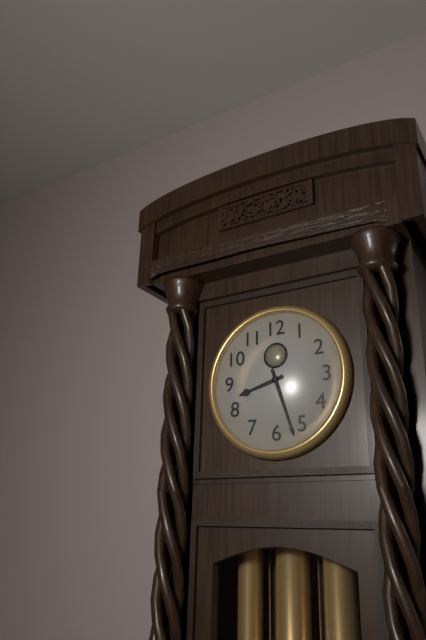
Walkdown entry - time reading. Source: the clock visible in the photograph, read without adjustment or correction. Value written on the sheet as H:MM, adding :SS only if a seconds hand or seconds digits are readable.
8:27
